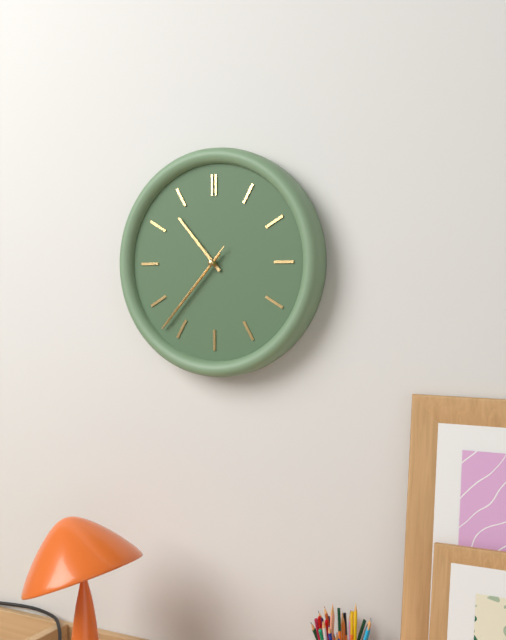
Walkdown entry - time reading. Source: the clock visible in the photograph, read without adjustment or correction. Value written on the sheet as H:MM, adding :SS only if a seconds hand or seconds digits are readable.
10:37:37
